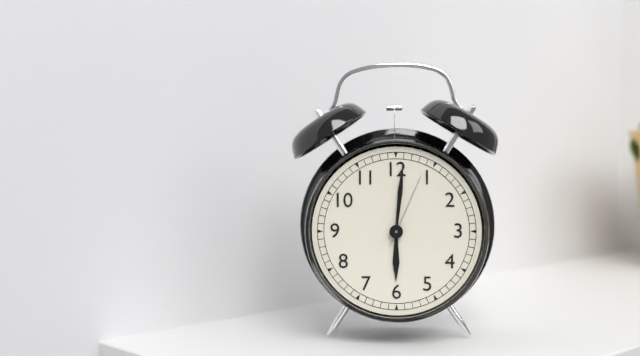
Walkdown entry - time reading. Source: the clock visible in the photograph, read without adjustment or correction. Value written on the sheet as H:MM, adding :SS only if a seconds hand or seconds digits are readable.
6:01:04
